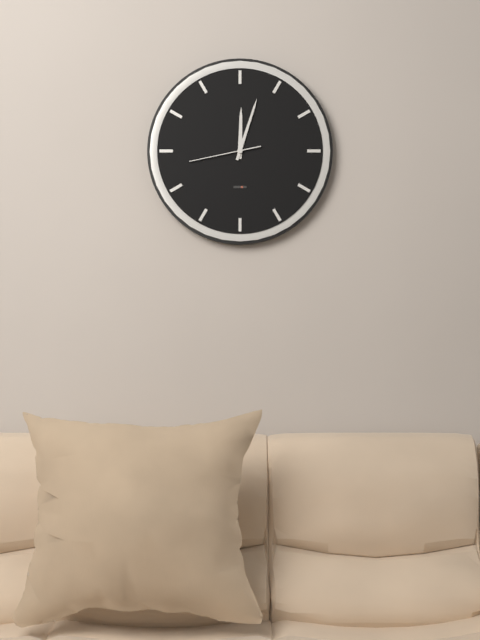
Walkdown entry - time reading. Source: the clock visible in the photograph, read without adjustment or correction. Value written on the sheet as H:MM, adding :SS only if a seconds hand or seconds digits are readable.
12:03:43
